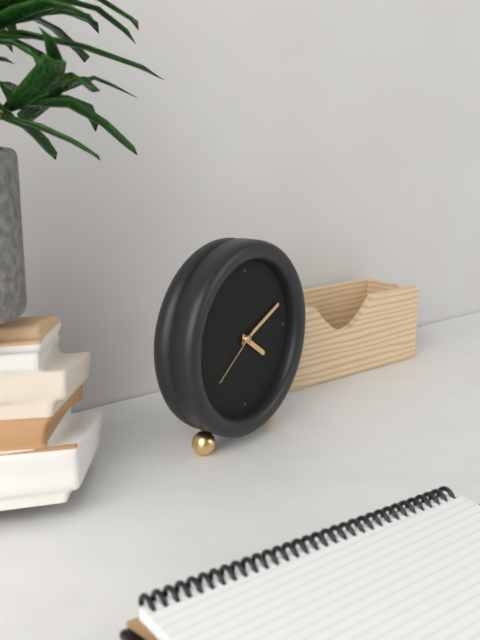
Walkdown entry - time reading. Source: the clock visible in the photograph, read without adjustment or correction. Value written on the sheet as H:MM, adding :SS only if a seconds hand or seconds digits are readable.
4:11:39
